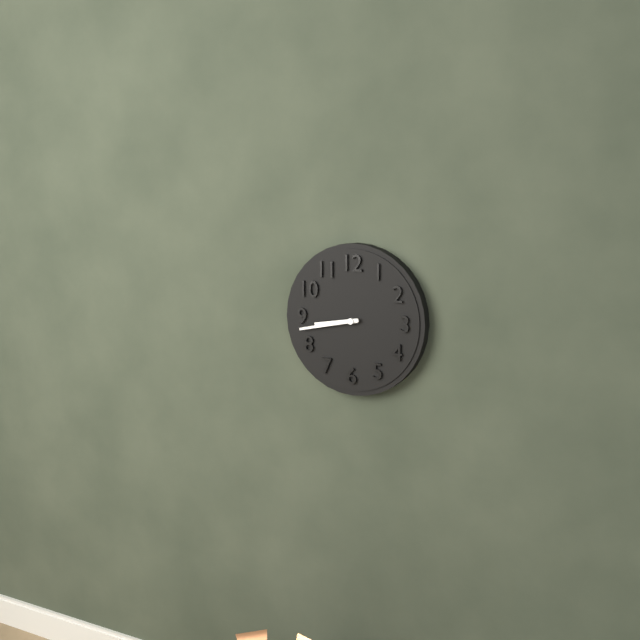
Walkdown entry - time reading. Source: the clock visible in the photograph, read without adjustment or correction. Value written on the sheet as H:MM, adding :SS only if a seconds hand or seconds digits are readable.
8:43
